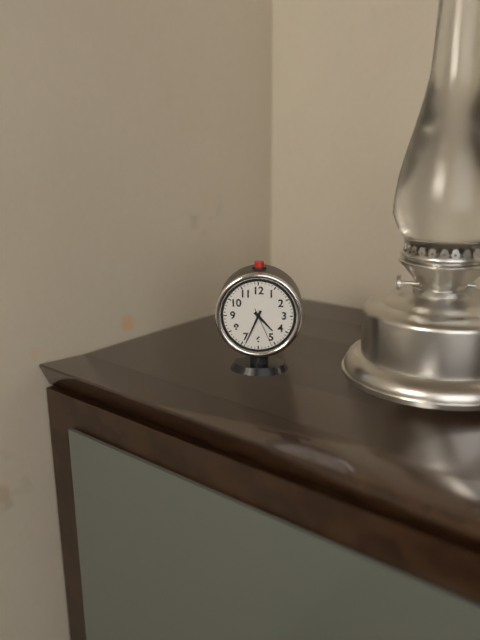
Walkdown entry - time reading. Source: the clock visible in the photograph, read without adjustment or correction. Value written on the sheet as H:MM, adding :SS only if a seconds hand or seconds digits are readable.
4:34
